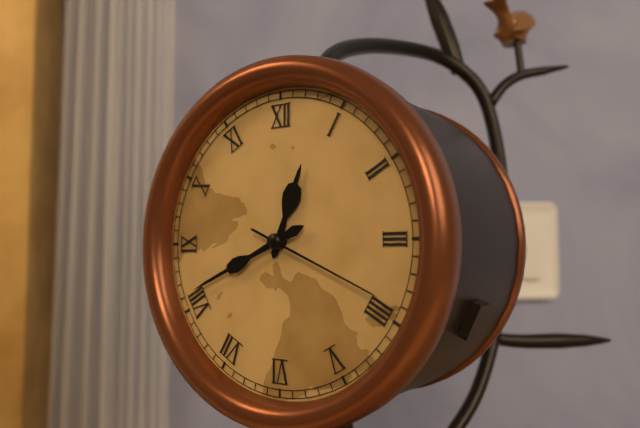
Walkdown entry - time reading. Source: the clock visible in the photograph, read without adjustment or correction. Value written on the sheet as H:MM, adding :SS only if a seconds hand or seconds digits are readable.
12:41:19
